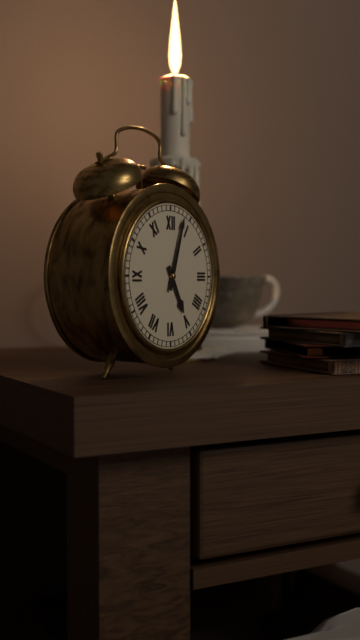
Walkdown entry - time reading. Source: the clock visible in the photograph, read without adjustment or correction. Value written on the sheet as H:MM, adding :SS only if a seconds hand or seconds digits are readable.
5:03
